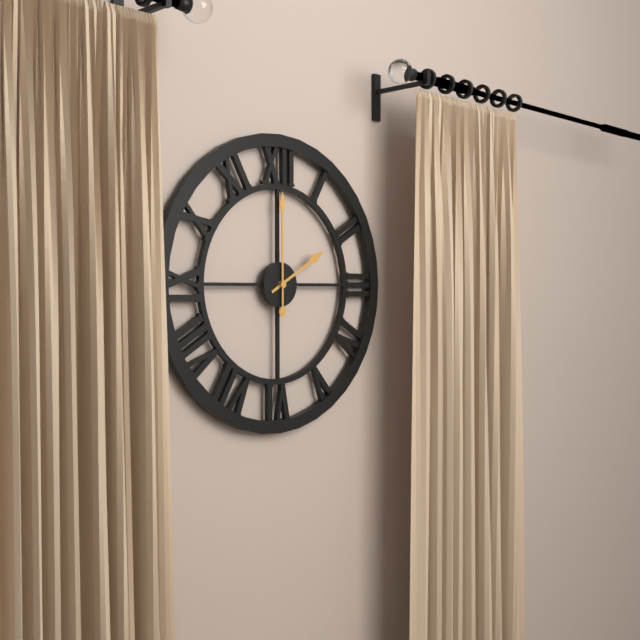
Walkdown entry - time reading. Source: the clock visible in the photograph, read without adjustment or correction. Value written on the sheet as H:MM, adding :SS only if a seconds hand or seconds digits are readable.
2:00
